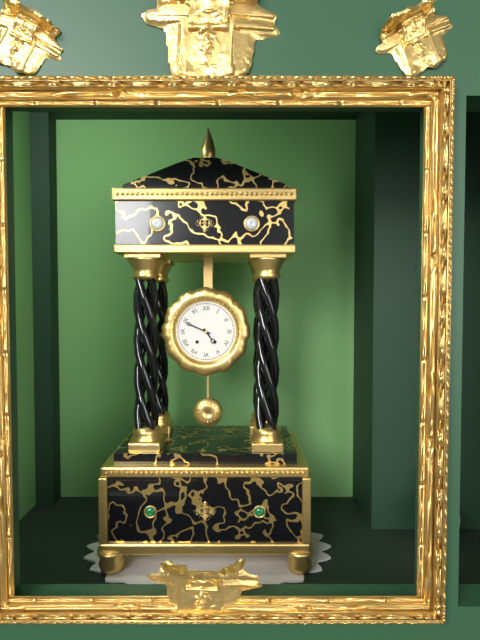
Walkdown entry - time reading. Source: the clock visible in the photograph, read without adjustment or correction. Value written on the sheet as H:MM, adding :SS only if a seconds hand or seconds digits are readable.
4:49
